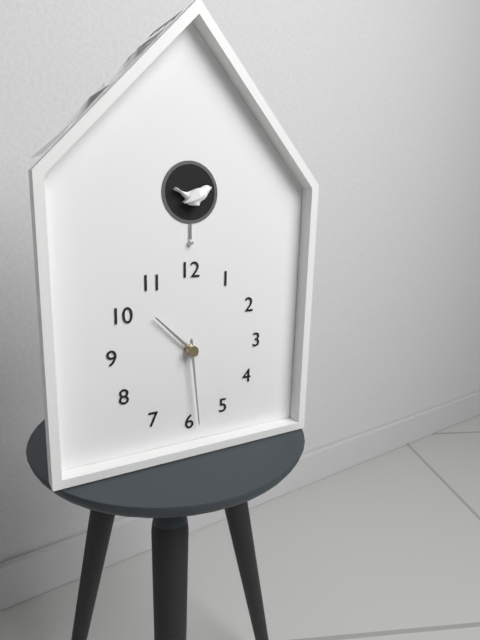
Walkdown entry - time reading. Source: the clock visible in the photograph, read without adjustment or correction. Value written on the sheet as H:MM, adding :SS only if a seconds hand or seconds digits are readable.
10:29
